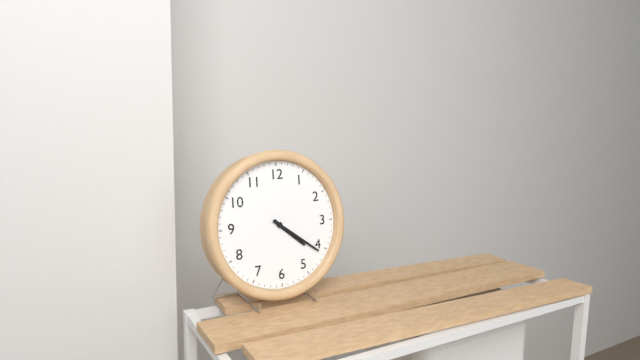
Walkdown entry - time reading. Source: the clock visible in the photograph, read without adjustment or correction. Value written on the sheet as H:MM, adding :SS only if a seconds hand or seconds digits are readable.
4:21
